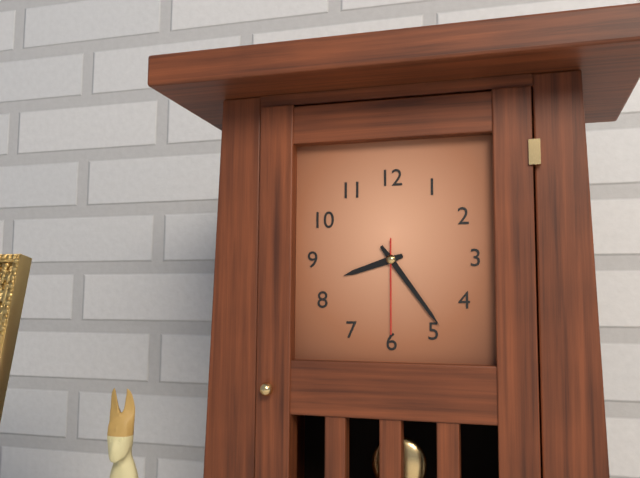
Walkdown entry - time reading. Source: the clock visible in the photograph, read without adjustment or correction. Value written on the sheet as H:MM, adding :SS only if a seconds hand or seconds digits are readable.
8:24:30
